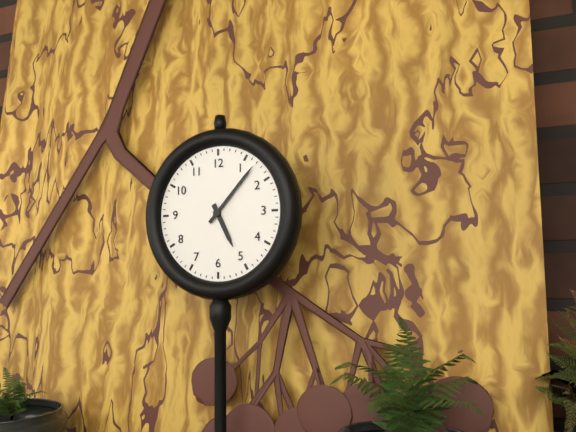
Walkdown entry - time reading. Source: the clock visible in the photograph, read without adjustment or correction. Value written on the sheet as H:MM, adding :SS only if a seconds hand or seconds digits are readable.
5:07
